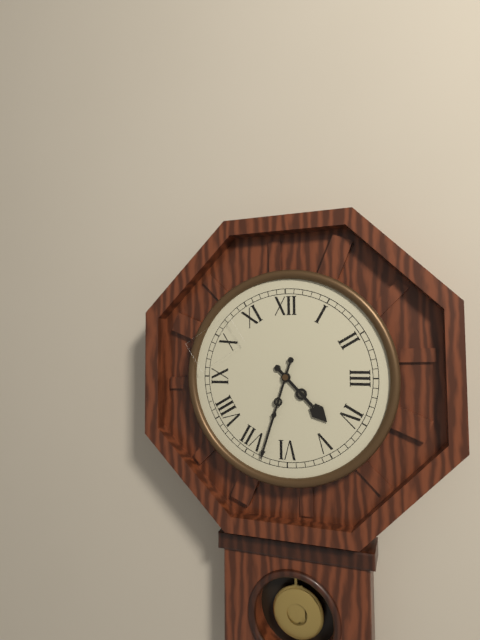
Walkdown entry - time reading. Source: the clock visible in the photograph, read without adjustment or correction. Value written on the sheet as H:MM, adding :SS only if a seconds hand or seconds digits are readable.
4:33
